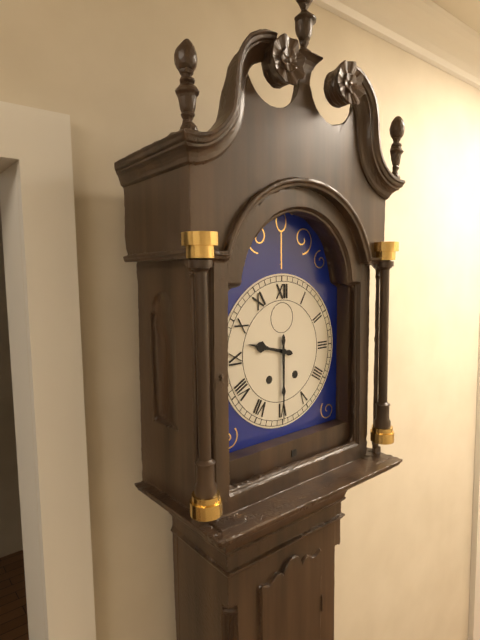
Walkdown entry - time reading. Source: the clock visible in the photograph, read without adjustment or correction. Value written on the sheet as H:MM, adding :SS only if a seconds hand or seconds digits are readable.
9:30
